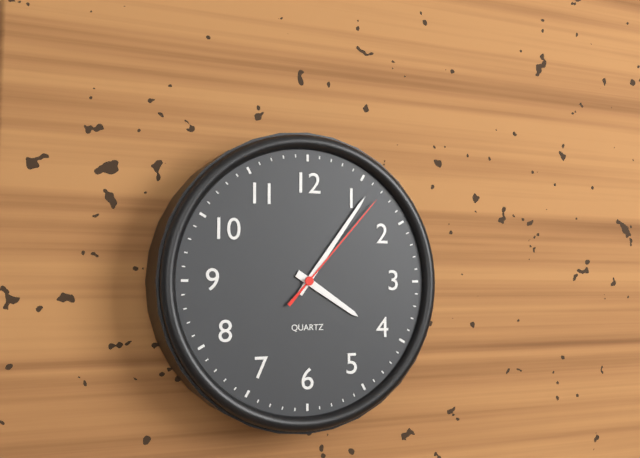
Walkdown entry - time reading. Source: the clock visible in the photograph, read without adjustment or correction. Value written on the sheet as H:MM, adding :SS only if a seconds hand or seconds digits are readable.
4:06:07
